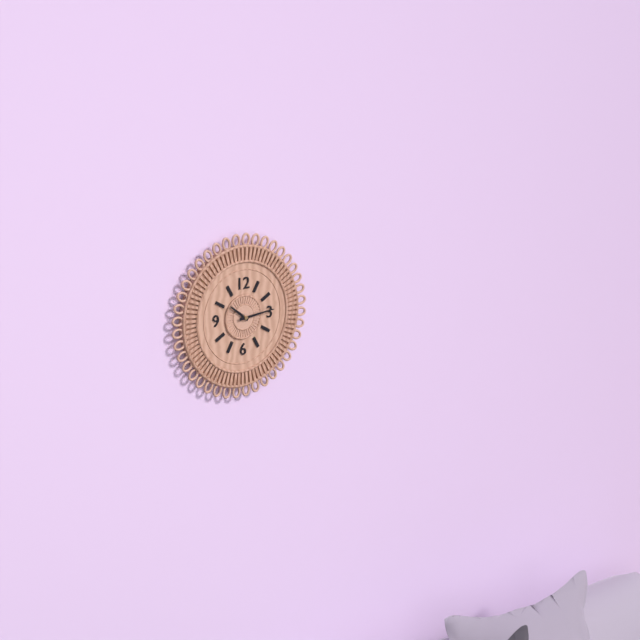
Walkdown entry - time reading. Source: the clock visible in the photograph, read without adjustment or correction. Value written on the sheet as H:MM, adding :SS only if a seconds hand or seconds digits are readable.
10:14
